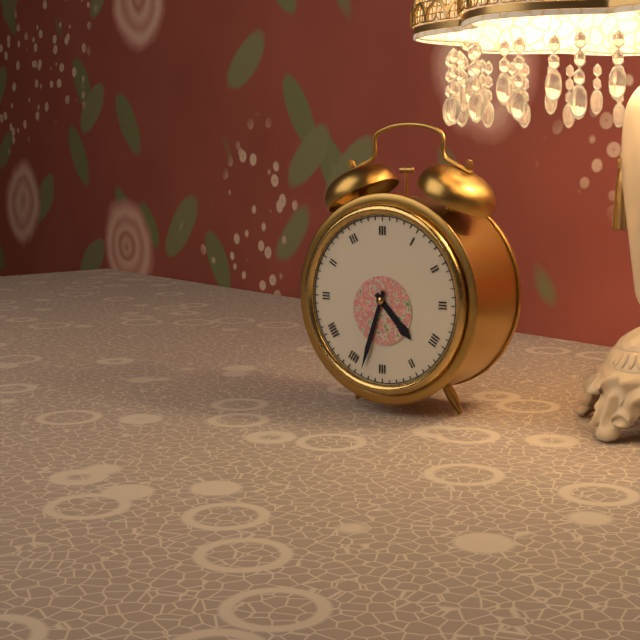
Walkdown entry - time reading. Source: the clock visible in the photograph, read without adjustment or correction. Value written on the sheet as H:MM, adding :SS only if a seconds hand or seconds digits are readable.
4:33
